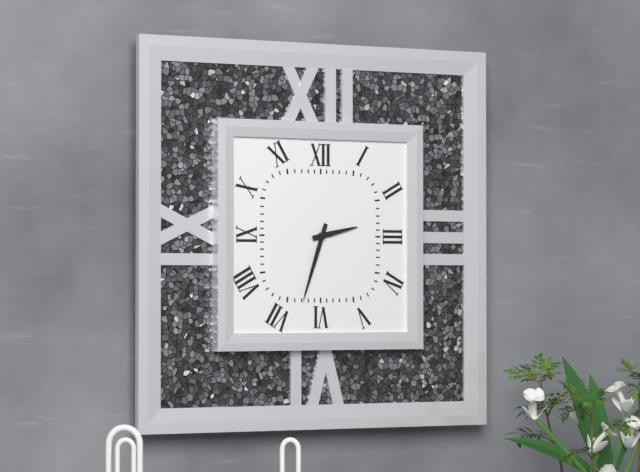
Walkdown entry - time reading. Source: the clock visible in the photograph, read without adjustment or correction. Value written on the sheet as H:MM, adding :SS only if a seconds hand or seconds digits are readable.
2:33
